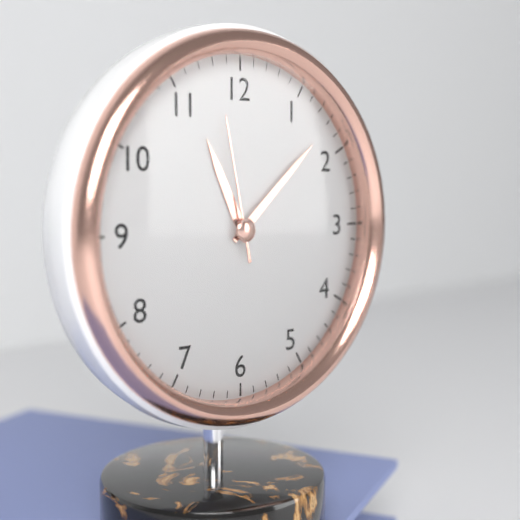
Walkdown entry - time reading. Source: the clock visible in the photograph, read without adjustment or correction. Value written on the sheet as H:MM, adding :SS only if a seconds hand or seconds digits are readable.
11:08:58
